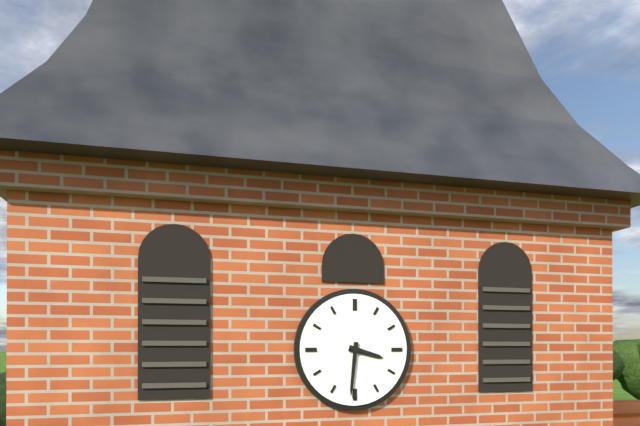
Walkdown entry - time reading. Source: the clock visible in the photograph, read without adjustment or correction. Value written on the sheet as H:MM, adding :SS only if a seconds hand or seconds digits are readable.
3:31
